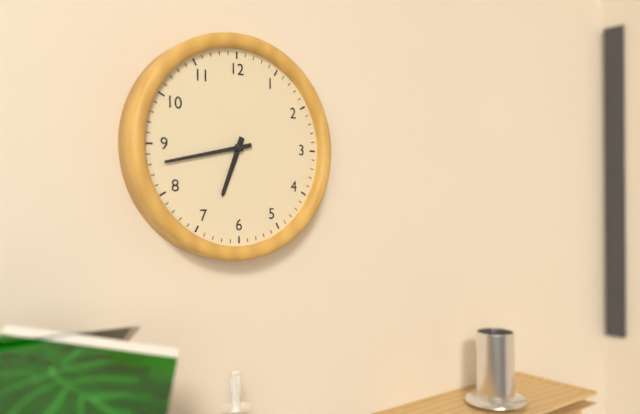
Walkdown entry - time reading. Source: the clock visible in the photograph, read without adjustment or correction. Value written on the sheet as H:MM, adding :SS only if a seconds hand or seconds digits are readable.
6:43
